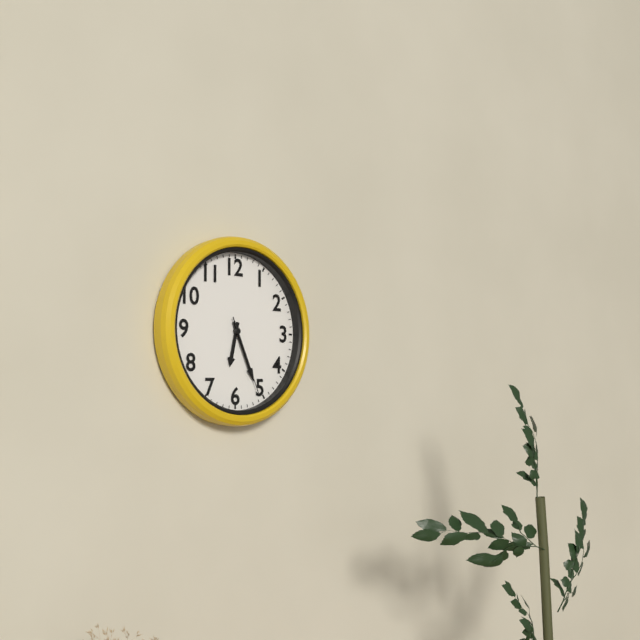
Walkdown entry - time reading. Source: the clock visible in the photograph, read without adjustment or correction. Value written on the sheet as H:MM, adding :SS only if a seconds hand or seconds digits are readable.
6:26:26
